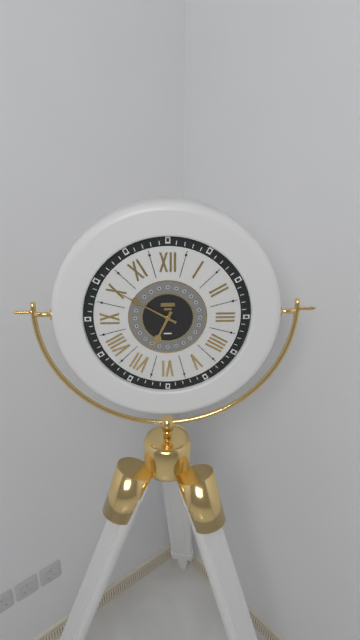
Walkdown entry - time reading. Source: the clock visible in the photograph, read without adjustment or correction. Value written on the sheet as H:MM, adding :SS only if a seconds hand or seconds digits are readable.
6:50
